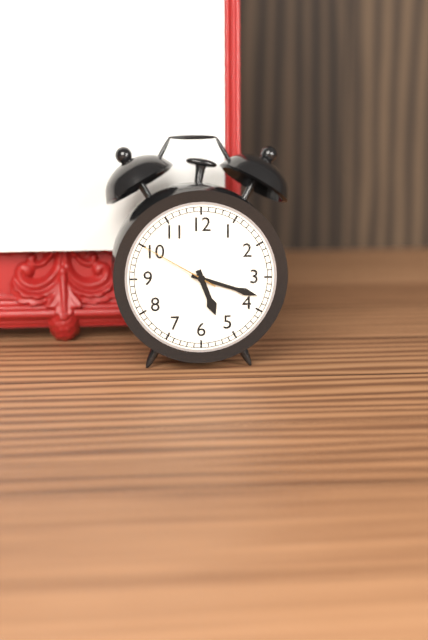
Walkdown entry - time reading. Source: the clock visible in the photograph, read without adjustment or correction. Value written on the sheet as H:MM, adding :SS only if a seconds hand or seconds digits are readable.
5:18:50
